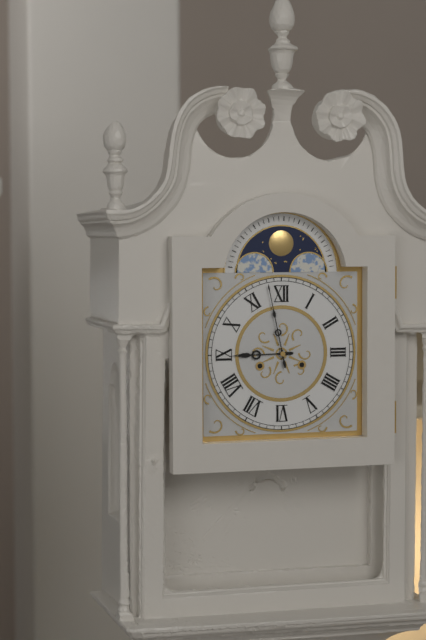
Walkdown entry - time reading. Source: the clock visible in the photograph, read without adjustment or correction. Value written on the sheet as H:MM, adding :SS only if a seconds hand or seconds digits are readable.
8:58
